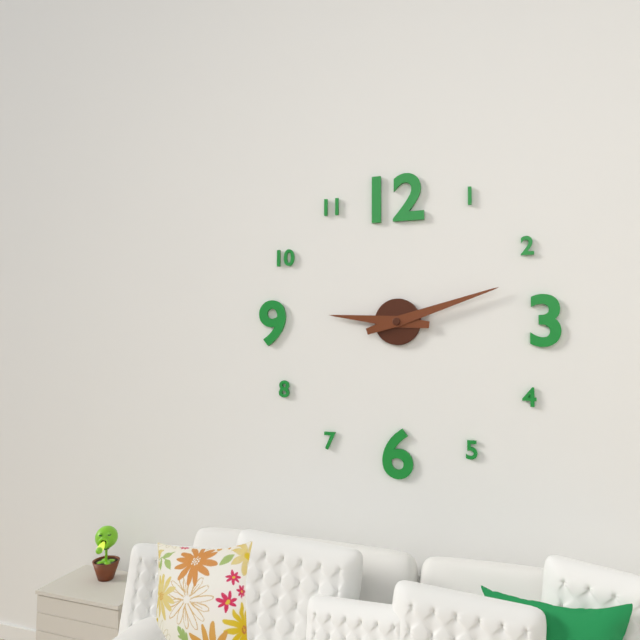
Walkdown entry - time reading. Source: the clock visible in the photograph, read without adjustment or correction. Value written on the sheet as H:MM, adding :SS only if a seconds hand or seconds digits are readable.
9:12
